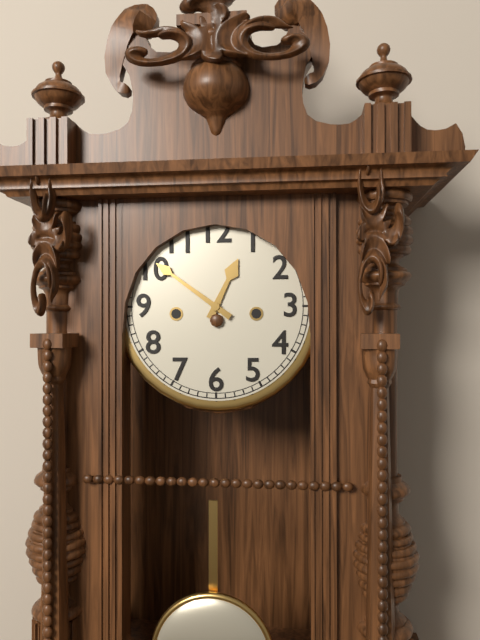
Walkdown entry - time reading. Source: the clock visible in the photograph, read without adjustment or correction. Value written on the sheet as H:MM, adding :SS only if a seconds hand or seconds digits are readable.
12:51
